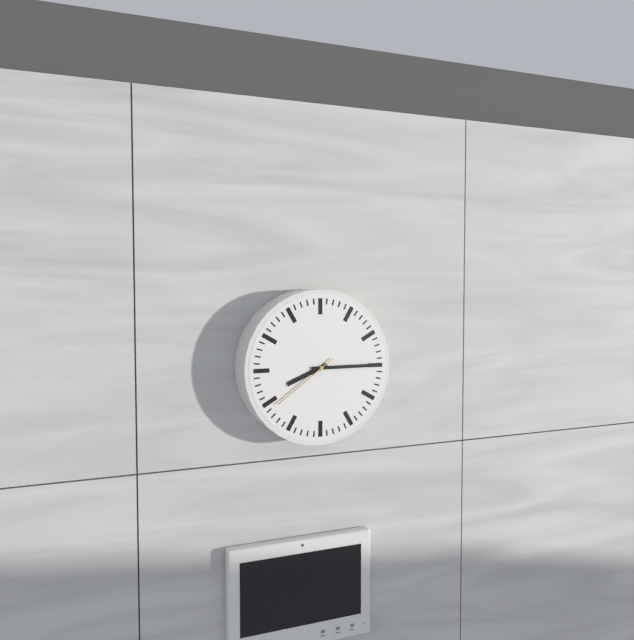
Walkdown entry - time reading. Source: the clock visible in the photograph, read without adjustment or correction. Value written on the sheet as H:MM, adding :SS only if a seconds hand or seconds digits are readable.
8:15:39
